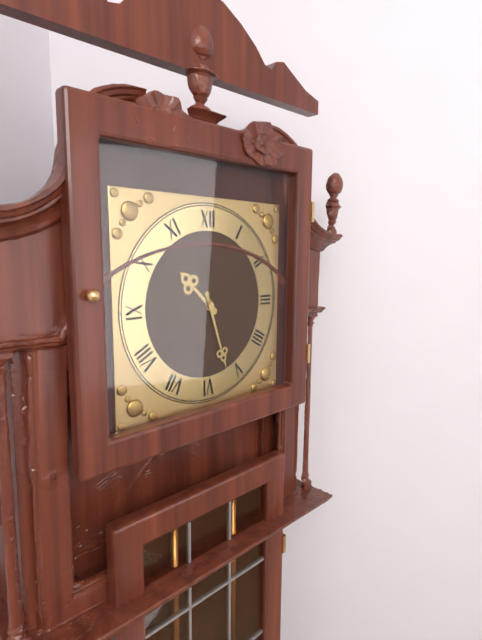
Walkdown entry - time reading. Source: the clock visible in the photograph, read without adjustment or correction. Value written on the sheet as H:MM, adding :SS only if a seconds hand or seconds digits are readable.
10:27
